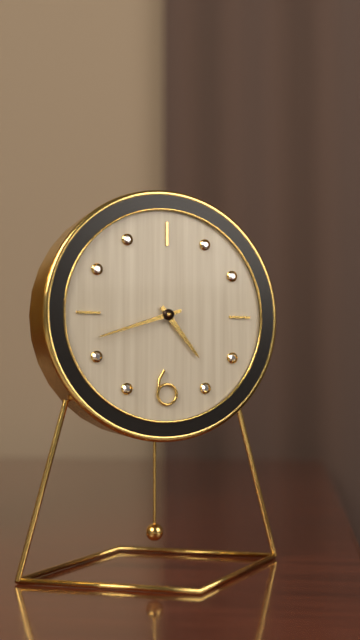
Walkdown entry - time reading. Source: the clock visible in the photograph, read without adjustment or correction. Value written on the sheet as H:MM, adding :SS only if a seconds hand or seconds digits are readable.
4:42
